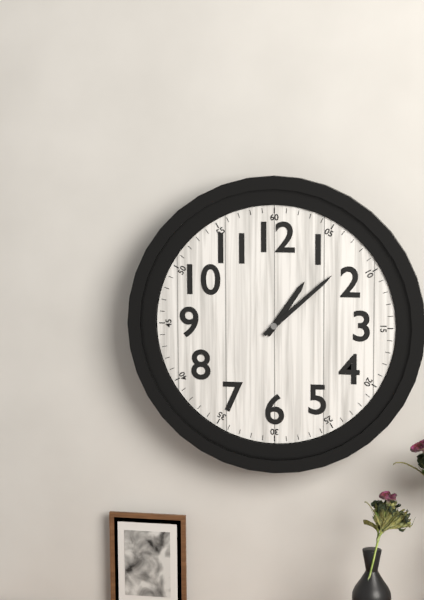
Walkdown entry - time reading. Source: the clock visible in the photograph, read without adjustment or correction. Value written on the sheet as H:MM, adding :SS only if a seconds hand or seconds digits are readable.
1:08
